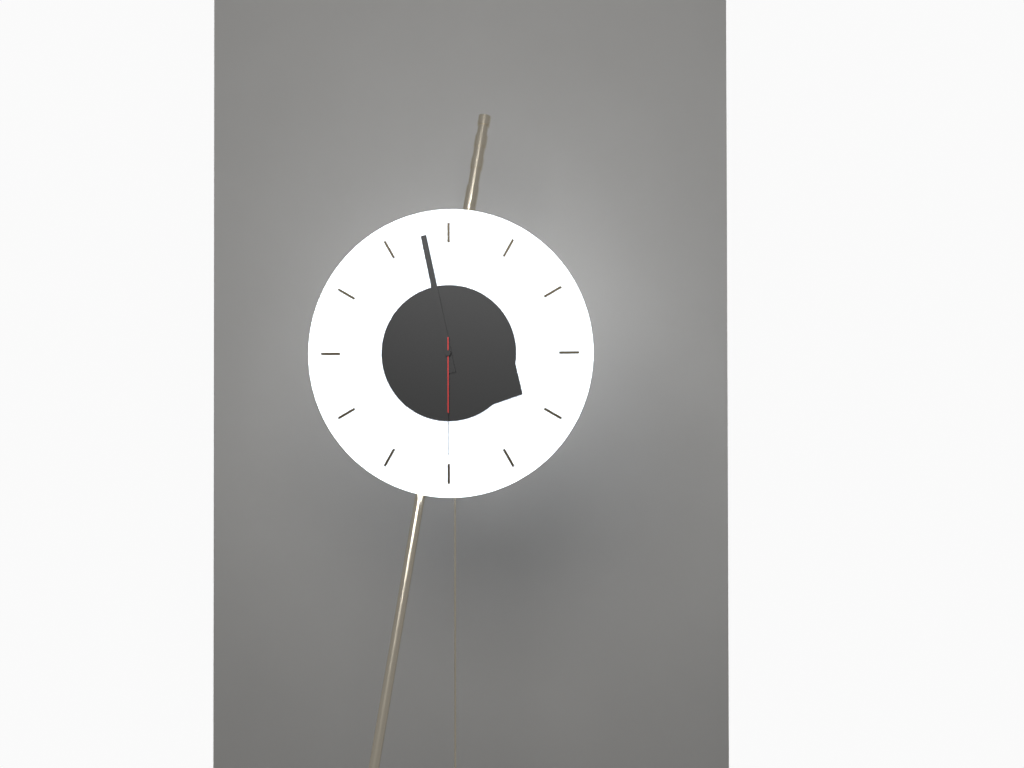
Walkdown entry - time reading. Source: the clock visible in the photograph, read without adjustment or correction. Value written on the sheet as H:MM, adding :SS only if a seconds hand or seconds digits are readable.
3:58:30
